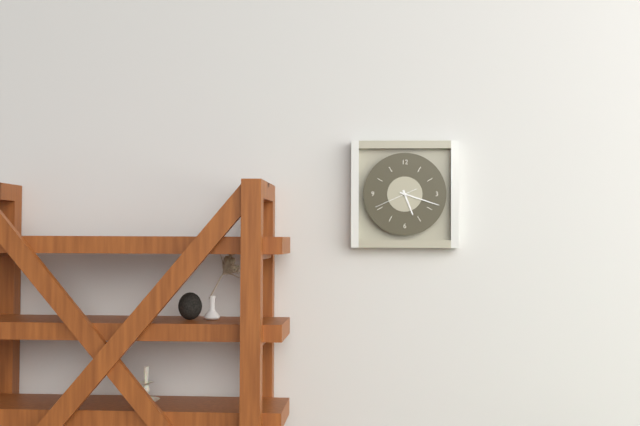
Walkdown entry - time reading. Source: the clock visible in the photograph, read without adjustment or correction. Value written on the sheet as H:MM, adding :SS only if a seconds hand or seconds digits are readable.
5:18
